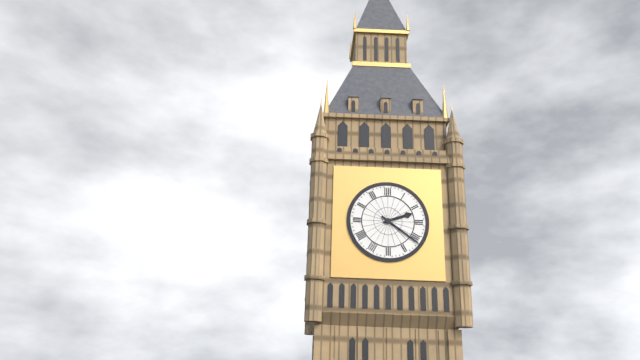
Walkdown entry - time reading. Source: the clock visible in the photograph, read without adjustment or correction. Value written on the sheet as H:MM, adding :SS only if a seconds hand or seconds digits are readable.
2:21
